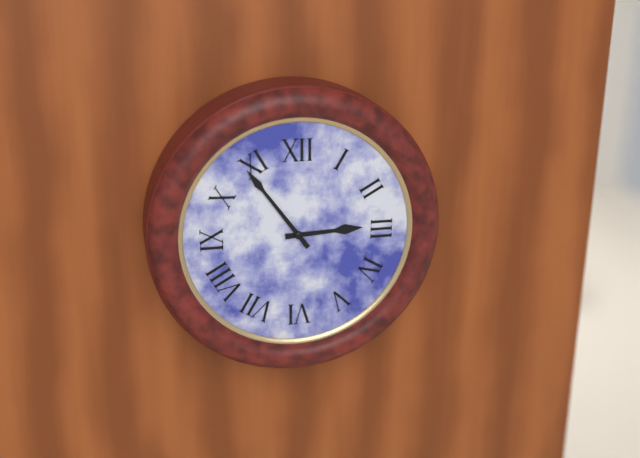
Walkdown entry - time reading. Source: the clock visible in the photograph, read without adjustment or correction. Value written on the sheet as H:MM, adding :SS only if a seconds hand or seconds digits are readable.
2:54
